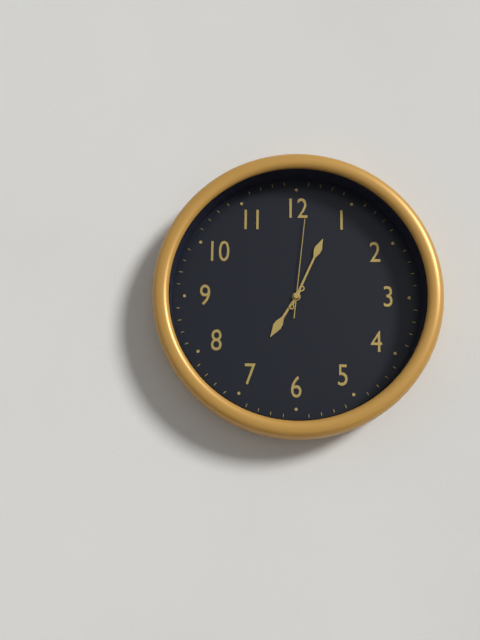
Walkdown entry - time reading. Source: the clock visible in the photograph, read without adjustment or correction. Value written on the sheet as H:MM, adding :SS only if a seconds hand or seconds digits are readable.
7:04:01
